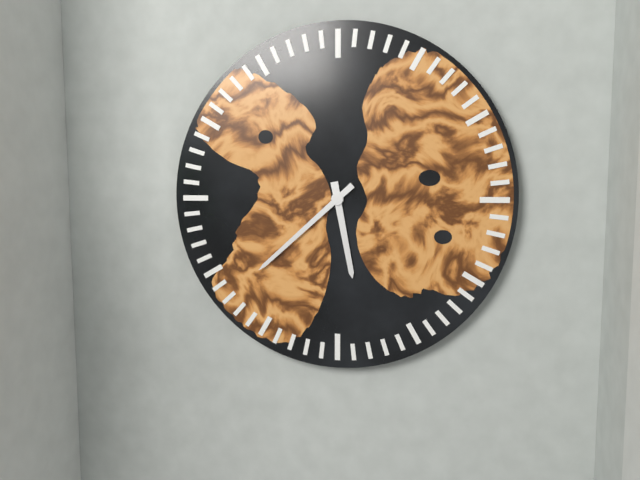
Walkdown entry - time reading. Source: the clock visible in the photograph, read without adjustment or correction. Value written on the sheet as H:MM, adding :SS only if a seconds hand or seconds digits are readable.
5:38
